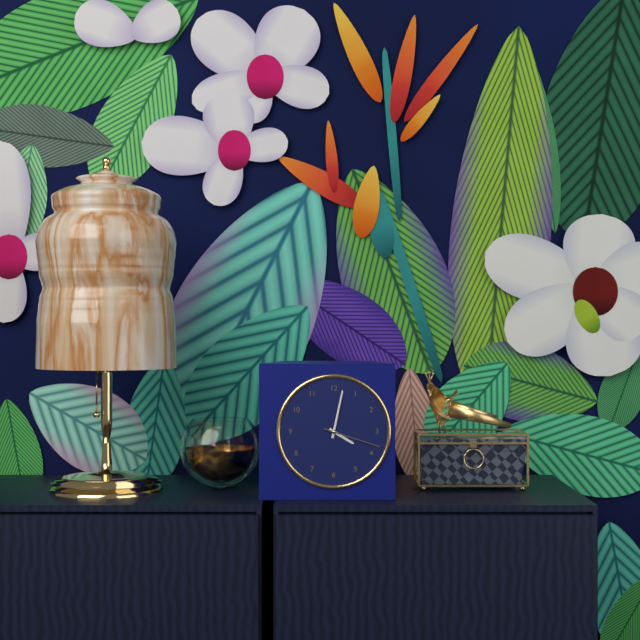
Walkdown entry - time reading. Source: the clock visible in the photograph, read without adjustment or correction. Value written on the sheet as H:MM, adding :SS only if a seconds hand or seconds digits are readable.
4:02:18
